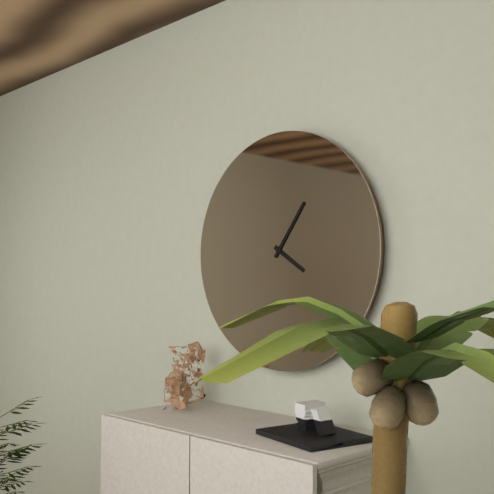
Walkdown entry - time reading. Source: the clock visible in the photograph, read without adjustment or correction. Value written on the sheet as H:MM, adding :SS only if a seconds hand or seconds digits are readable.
4:06
